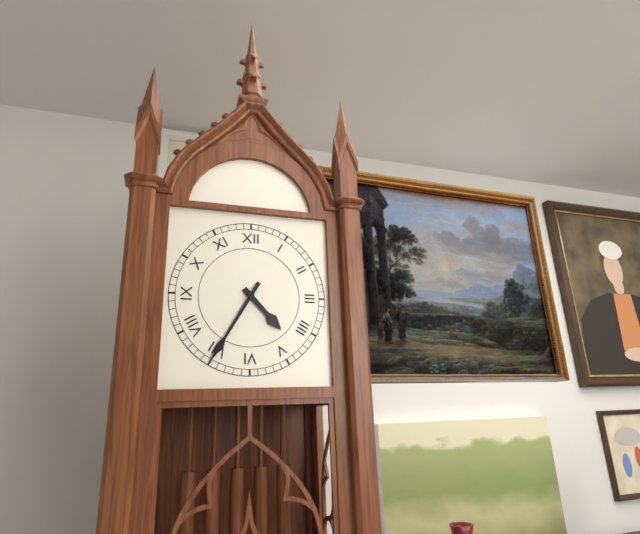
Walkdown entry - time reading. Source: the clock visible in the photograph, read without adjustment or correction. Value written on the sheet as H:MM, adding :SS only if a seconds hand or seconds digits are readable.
4:35
